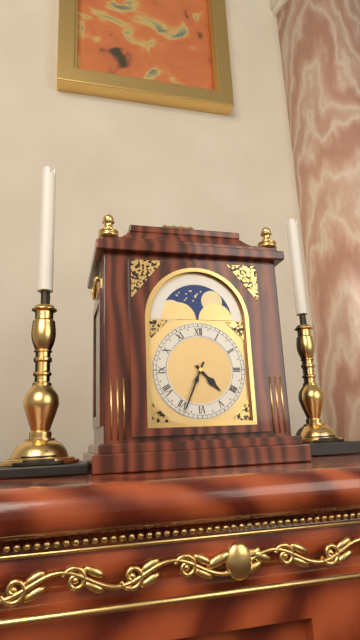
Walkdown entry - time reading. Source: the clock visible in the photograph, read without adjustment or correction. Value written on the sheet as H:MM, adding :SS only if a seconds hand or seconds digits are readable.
4:34
